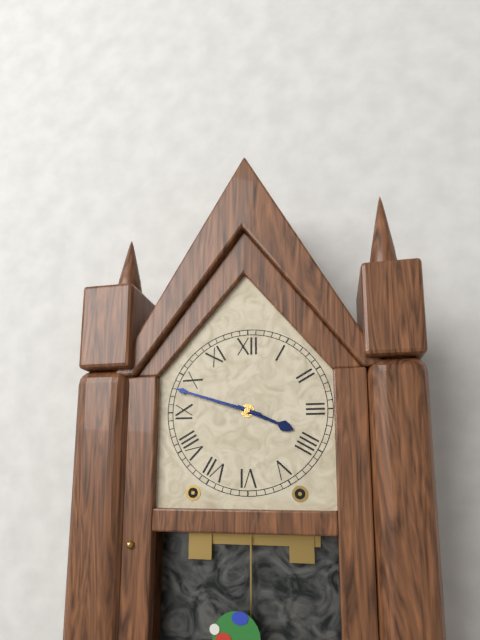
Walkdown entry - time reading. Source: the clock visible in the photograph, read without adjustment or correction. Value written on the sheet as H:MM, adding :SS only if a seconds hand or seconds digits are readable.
3:48
